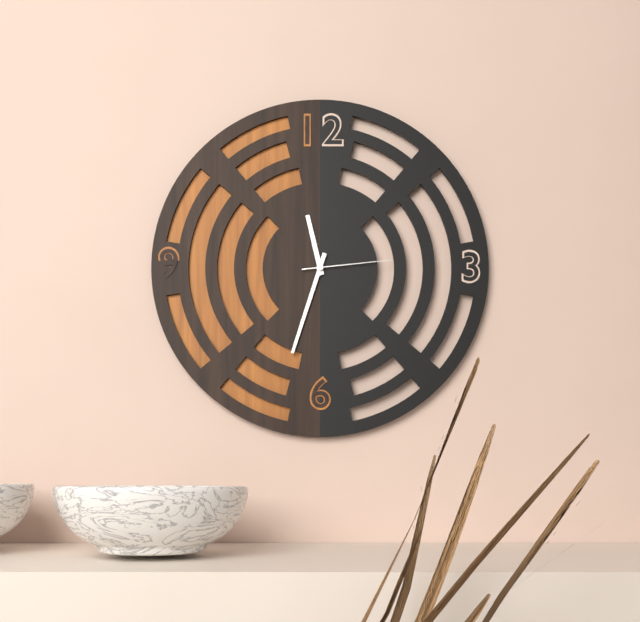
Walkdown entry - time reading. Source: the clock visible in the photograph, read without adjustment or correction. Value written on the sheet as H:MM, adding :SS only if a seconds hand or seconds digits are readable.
11:33:14
